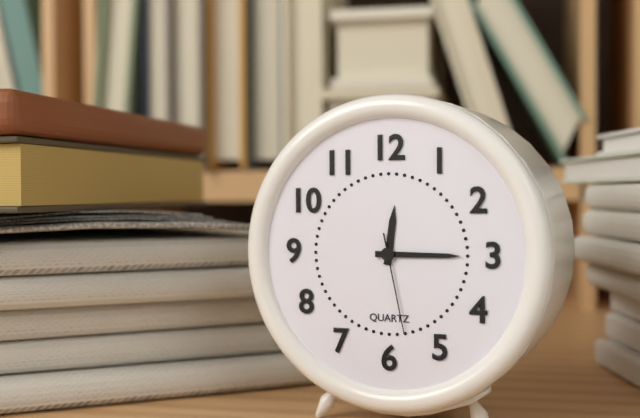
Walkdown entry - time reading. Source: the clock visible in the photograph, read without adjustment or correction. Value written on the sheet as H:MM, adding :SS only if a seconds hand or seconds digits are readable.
12:15:28
